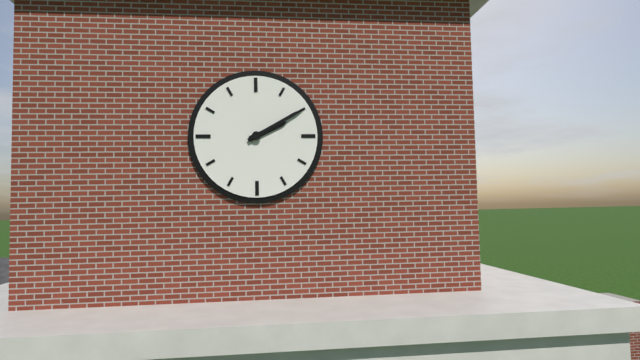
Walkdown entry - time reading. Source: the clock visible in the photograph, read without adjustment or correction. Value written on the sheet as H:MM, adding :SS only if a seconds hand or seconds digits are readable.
2:10
